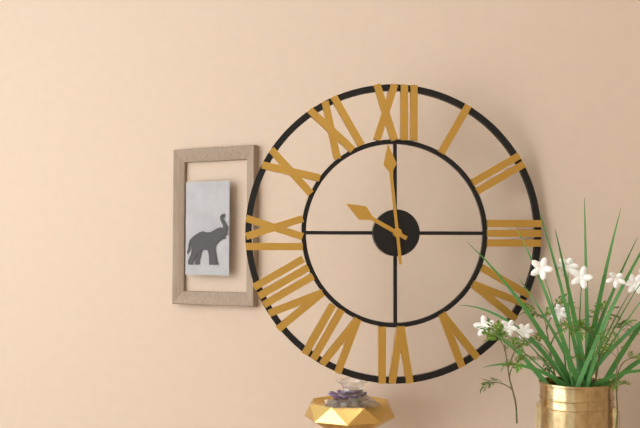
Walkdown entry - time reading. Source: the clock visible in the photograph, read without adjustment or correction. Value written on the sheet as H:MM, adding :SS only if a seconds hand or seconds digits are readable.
9:59
